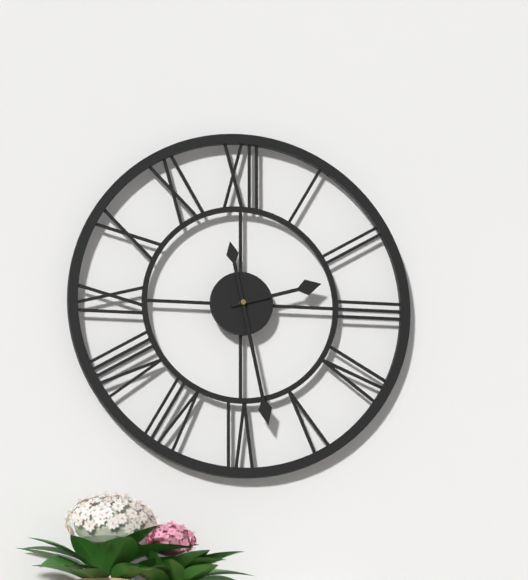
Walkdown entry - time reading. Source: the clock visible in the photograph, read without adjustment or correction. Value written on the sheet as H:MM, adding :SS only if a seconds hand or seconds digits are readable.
2:28
